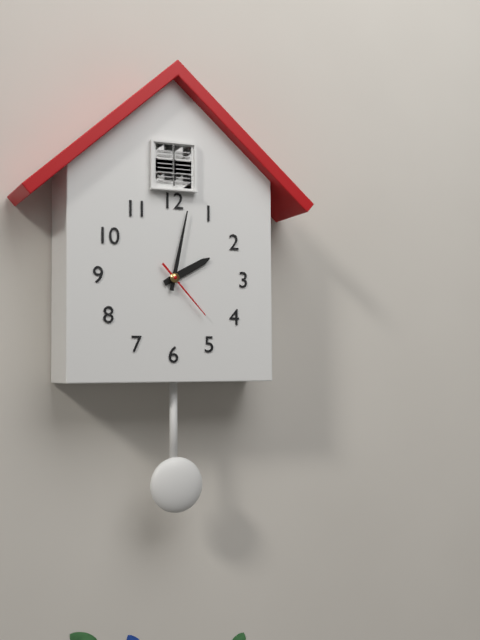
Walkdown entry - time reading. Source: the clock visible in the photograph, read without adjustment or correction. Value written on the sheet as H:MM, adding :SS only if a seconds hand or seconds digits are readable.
2:02:23
